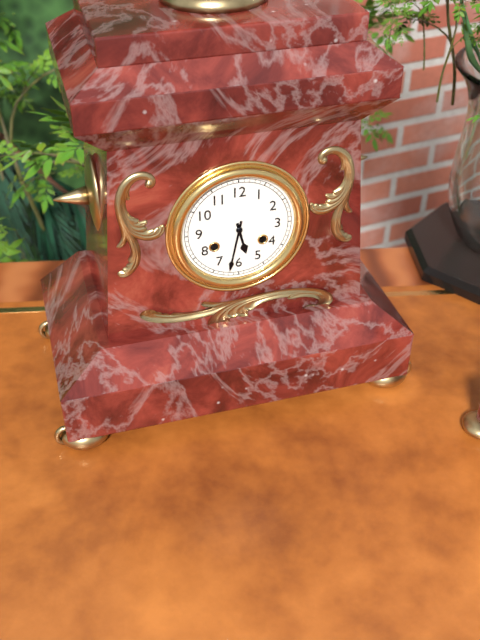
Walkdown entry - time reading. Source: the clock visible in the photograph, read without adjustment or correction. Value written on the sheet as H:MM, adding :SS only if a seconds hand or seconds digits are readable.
5:32
